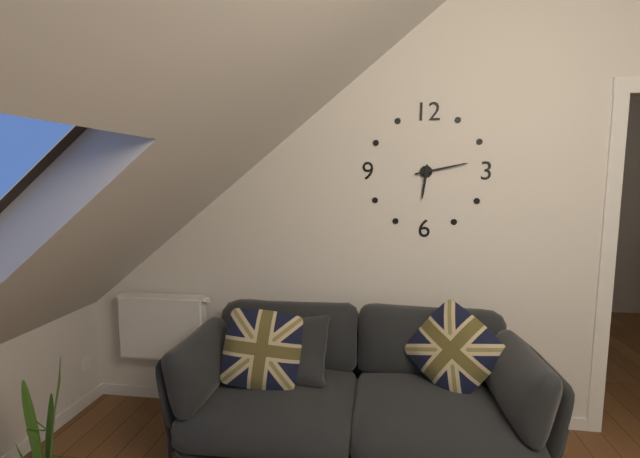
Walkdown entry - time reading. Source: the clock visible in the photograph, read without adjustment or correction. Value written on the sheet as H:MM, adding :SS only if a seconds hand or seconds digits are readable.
6:13
